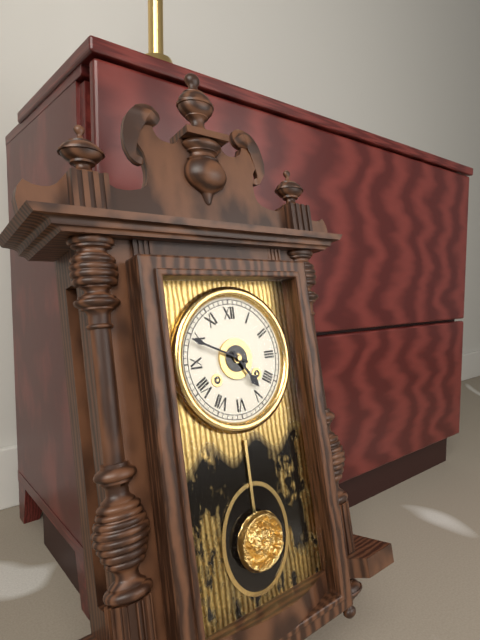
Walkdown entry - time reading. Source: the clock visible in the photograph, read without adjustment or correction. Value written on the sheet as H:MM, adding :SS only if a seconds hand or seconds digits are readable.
4:49
